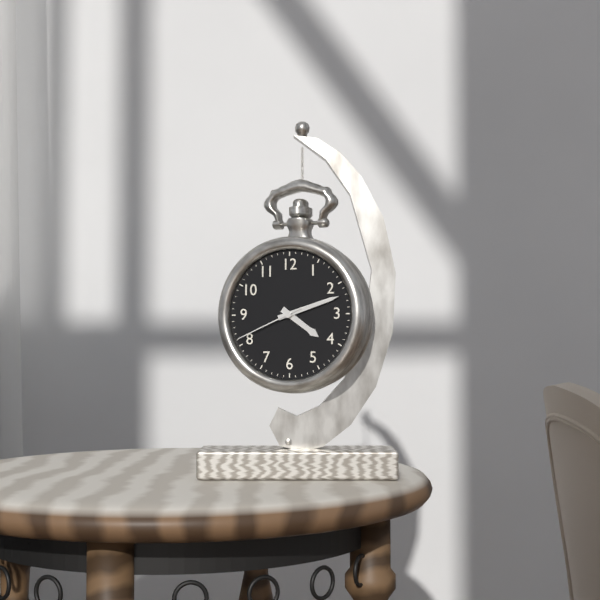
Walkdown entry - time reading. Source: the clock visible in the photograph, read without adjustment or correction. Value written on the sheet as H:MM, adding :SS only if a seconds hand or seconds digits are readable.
4:12:41
